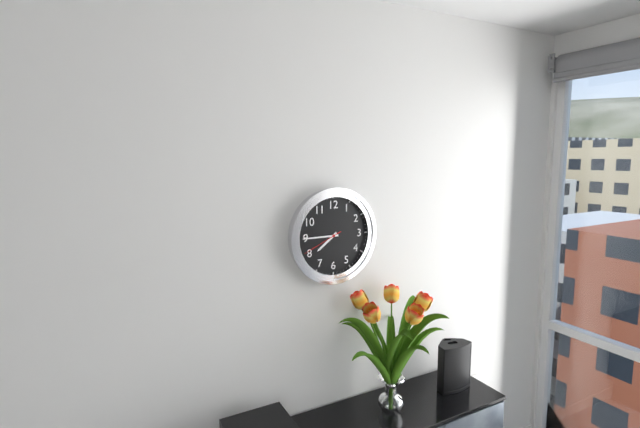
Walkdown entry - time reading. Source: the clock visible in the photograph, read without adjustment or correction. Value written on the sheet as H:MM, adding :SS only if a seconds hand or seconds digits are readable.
7:45
